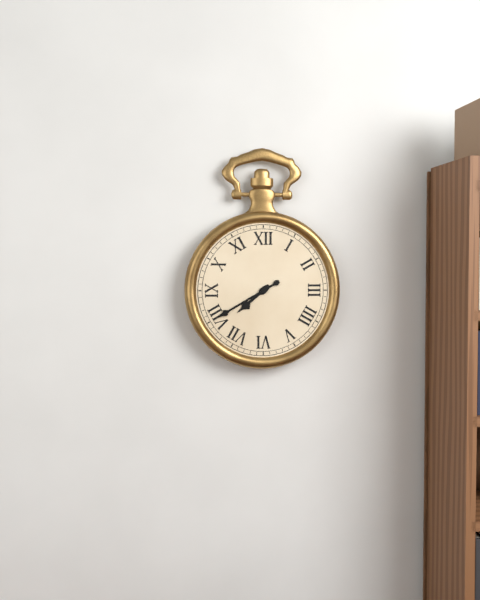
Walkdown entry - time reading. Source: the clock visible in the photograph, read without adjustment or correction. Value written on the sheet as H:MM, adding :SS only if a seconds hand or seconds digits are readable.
7:40
